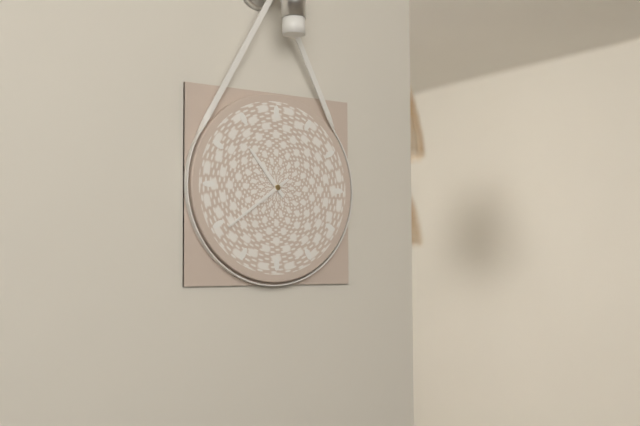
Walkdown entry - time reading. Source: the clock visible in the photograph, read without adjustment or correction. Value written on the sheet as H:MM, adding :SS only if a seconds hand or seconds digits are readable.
10:39
